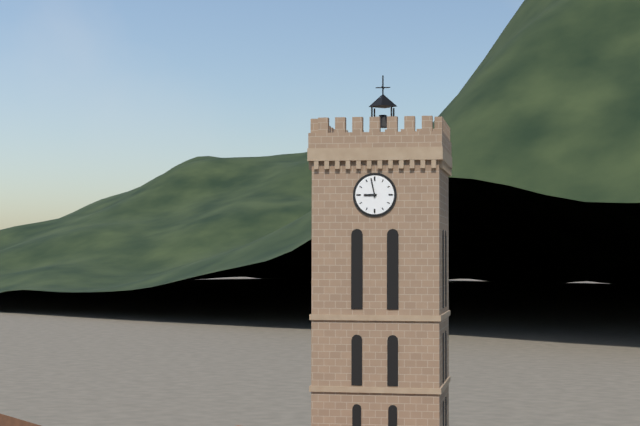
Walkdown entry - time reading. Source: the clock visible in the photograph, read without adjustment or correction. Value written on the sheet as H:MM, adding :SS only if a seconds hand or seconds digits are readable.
8:58
